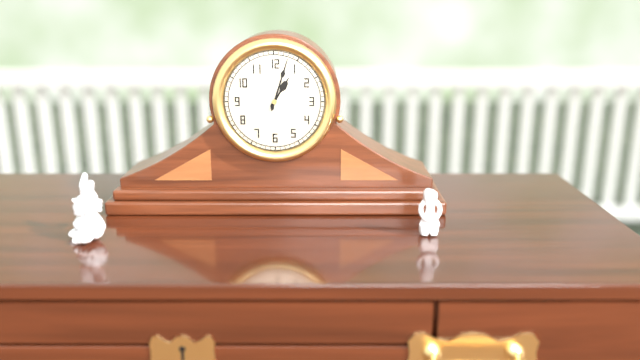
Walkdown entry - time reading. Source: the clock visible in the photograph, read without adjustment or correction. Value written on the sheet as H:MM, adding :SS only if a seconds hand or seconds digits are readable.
1:03
